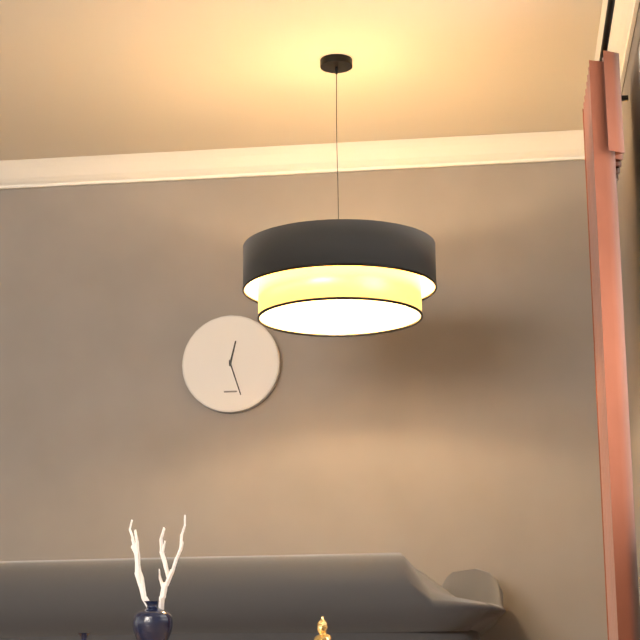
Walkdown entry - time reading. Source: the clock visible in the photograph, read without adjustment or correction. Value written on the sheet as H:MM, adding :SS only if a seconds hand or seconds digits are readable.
12:27
